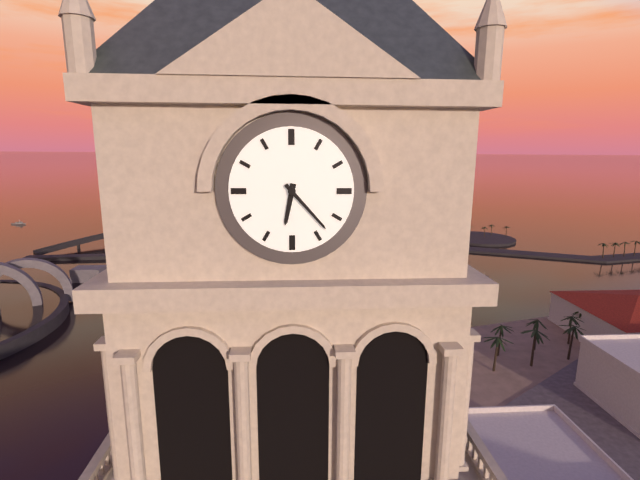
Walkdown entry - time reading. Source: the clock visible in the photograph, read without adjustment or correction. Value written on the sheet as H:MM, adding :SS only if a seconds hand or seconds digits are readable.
6:23
